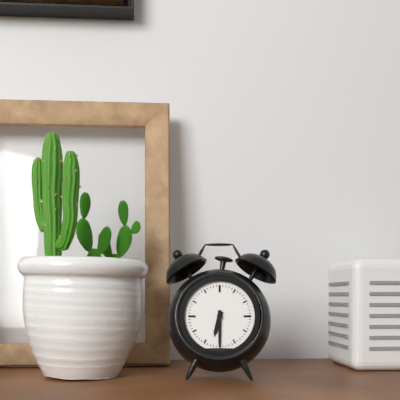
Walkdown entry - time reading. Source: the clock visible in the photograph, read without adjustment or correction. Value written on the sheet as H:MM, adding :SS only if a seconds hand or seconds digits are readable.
6:30
